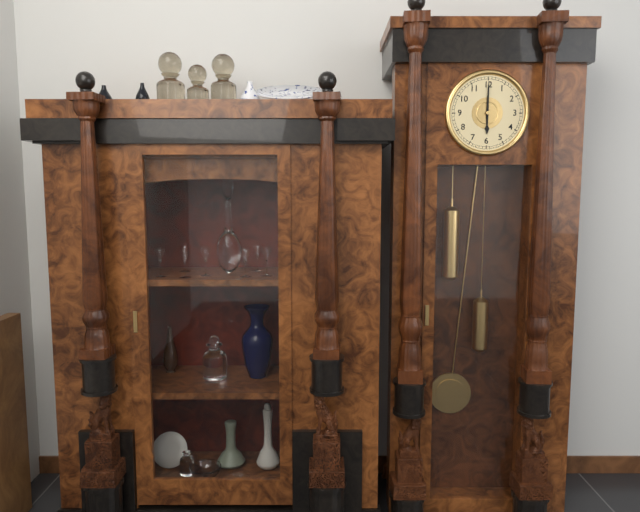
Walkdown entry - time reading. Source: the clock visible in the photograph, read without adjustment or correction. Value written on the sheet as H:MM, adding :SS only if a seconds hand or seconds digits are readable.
6:00
